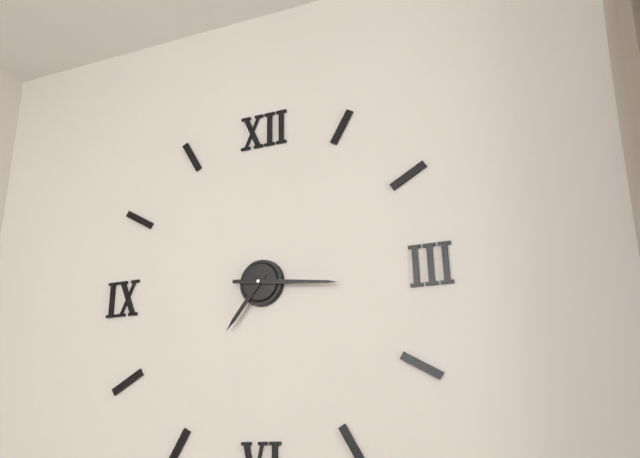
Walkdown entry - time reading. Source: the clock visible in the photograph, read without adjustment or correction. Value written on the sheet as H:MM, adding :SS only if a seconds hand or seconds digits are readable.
7:16
